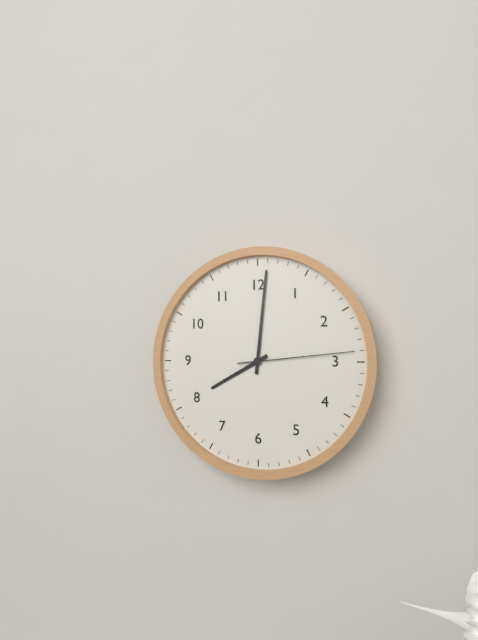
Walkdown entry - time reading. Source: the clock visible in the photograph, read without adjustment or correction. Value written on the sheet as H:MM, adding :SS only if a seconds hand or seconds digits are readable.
8:01:14
